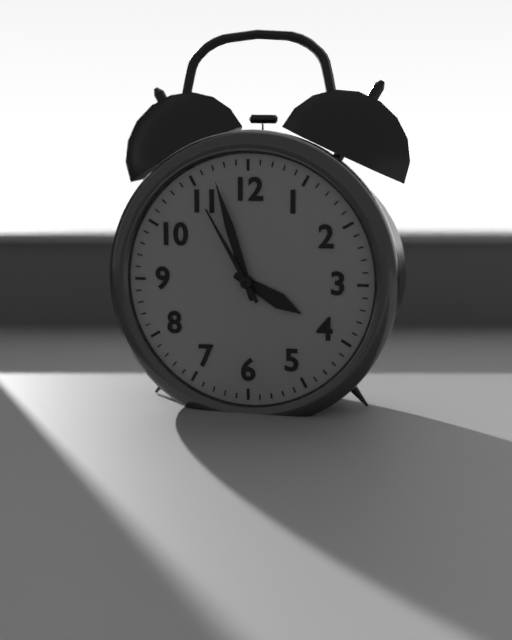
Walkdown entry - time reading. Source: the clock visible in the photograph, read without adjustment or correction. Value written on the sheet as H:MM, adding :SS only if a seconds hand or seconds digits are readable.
3:57:55
